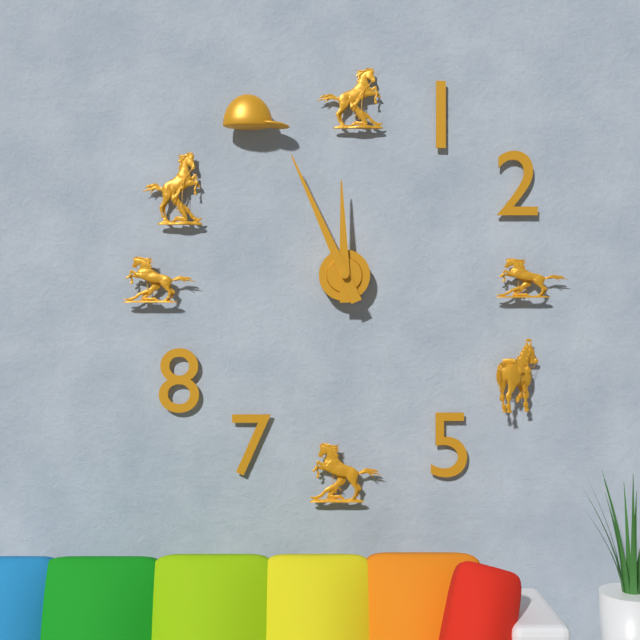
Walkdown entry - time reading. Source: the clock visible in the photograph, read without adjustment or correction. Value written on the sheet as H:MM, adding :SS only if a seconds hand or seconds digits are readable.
11:56
